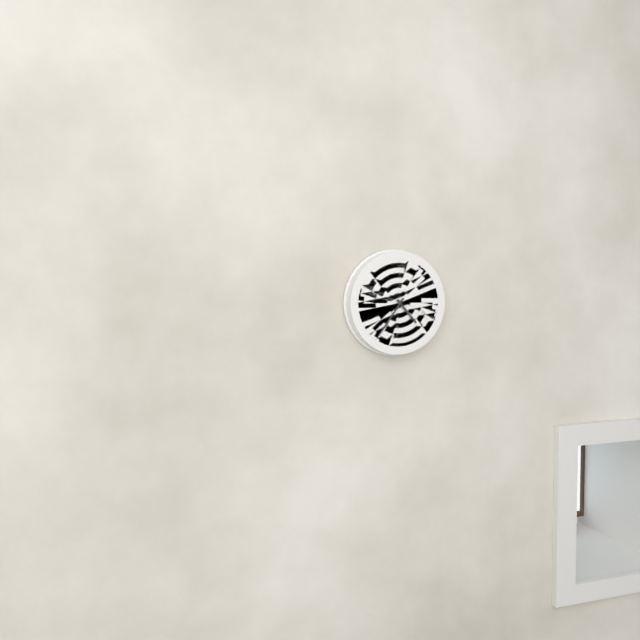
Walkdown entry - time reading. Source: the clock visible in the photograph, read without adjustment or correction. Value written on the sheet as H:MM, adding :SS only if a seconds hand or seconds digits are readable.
4:36
